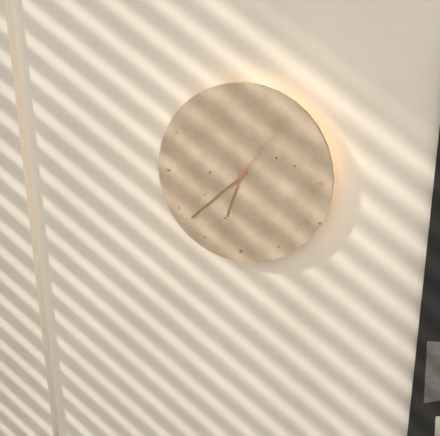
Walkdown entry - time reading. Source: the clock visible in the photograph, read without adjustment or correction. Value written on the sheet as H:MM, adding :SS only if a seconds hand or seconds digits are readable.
6:38:06
